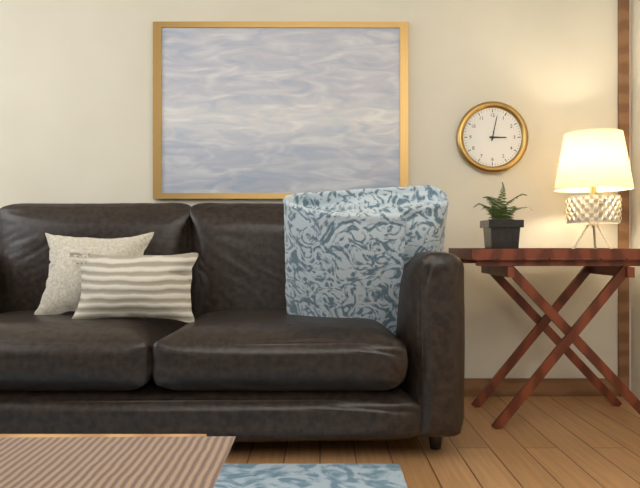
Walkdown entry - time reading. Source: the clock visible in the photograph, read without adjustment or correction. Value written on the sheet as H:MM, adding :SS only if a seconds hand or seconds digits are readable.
3:02
